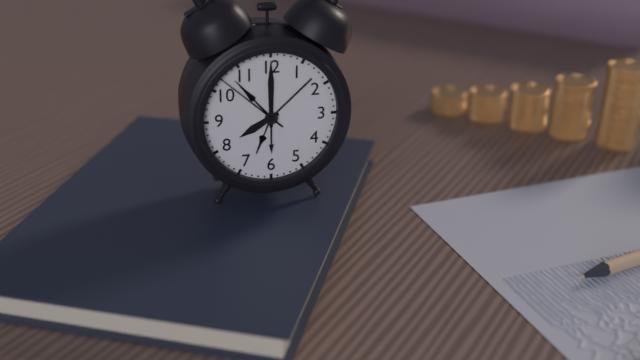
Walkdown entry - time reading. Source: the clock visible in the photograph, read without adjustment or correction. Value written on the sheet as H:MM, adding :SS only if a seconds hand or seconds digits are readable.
8:00:52
